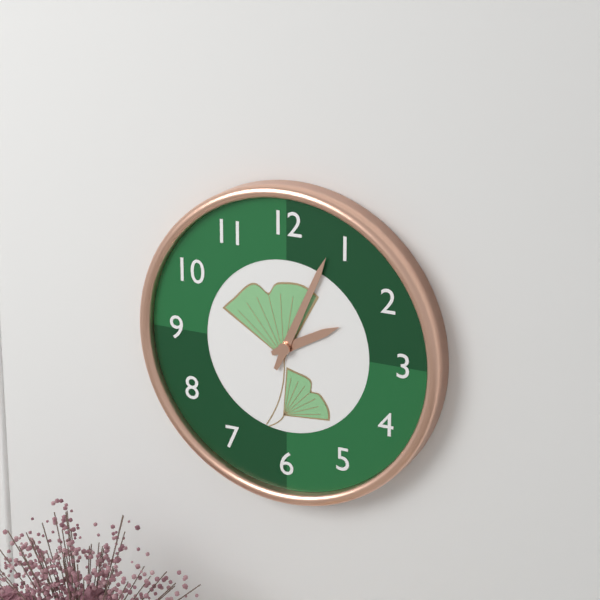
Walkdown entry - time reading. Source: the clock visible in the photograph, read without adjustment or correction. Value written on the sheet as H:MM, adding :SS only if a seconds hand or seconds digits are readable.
2:04
